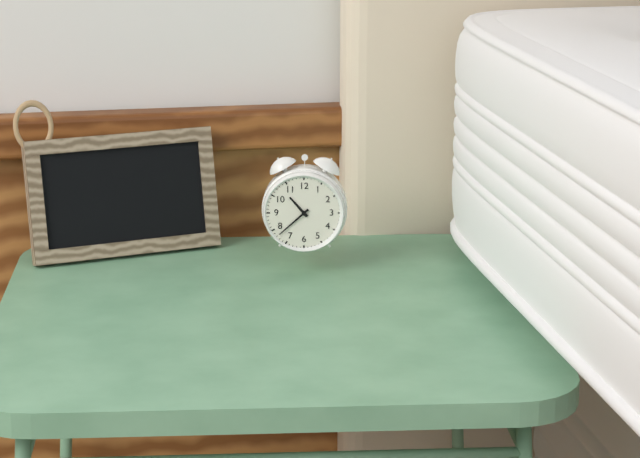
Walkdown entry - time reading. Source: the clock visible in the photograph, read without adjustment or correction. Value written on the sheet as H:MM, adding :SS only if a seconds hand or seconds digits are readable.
10:38
